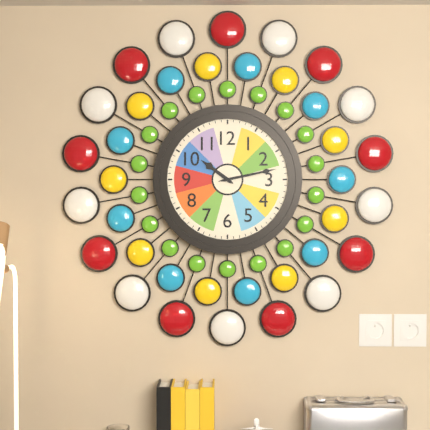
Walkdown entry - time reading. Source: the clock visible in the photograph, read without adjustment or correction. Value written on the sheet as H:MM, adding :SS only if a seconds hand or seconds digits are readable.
10:13
